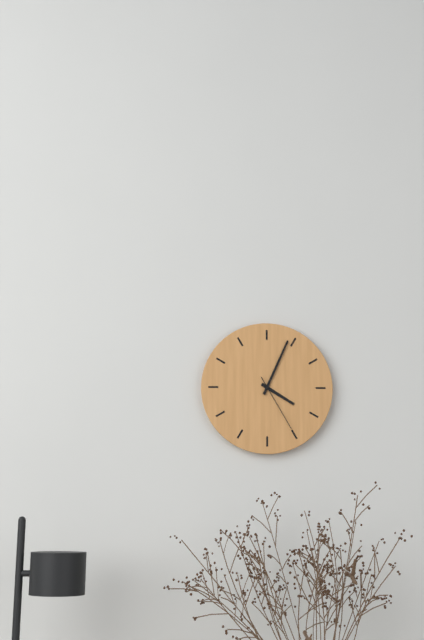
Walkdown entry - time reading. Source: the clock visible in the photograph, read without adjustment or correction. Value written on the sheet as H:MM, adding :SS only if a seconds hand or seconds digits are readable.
4:04:25
